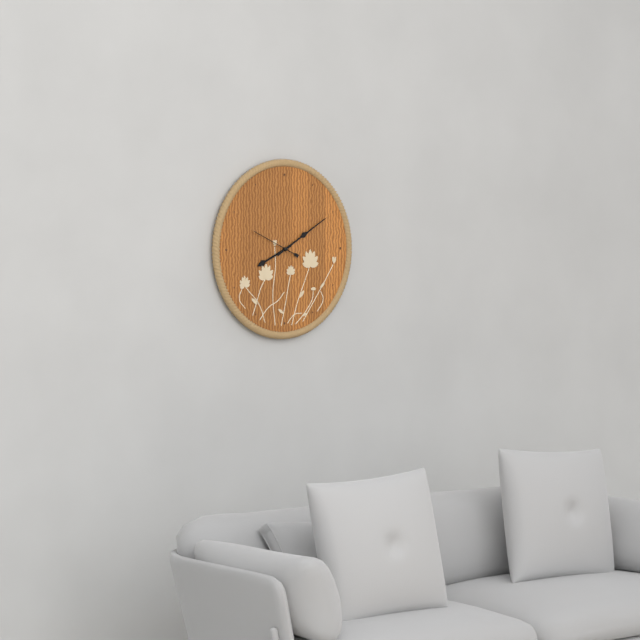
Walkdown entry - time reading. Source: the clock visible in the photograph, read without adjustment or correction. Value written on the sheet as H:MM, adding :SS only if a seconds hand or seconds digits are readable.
8:10
